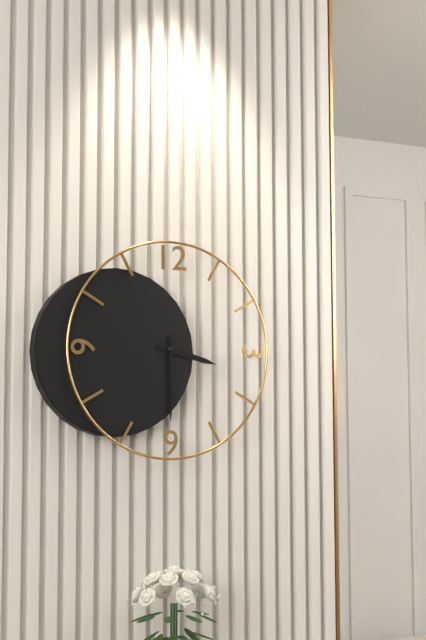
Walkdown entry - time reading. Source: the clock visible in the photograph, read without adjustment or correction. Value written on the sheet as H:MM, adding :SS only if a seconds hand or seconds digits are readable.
3:30
